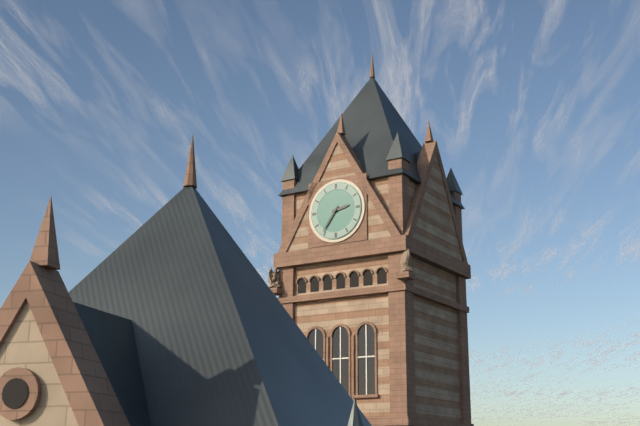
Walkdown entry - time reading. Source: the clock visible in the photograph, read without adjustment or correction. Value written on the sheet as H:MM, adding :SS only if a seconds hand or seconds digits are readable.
2:36
